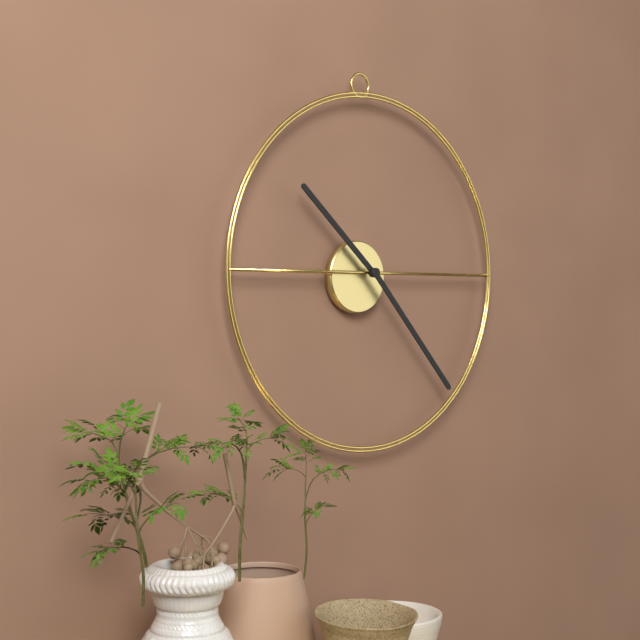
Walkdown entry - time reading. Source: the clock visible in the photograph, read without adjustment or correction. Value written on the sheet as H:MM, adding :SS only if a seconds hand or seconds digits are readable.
10:23
